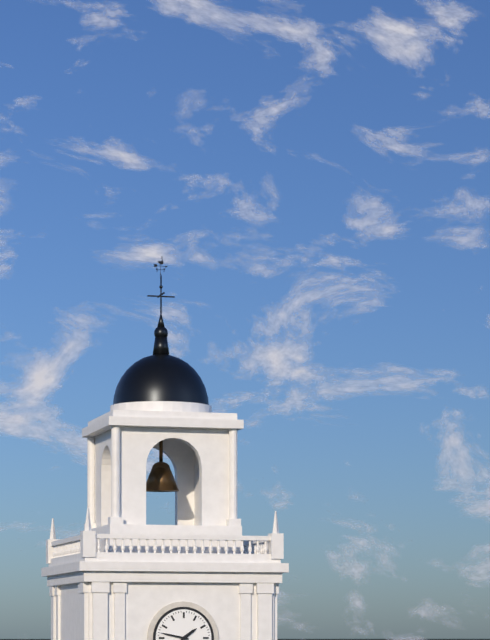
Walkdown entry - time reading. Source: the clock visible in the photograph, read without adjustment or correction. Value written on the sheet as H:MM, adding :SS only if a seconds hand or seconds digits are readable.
1:47
